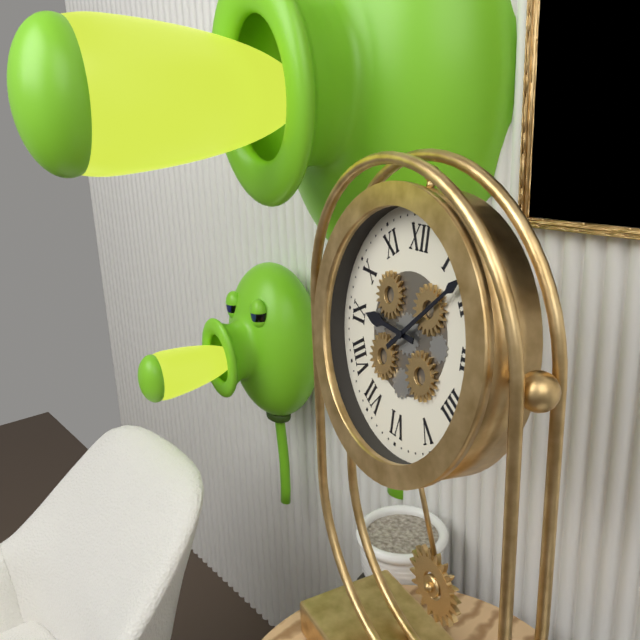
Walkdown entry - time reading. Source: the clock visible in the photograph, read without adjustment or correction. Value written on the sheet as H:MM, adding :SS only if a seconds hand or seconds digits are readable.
9:08
